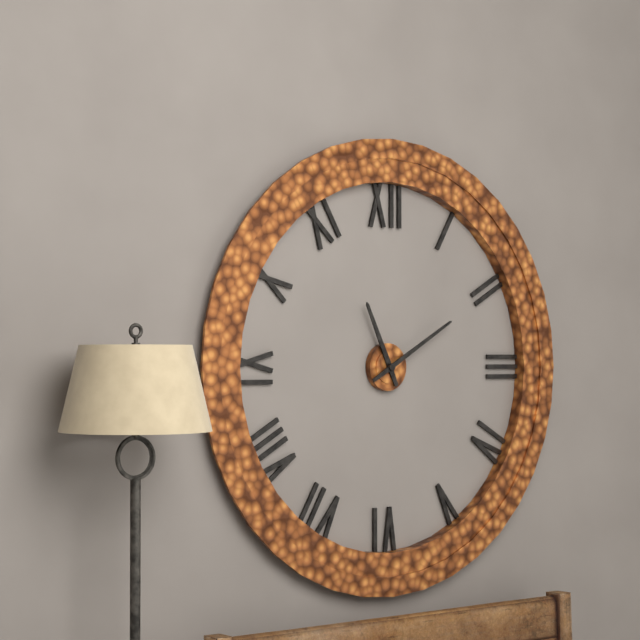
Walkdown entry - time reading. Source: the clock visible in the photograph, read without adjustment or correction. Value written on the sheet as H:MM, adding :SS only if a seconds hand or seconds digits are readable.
11:10
